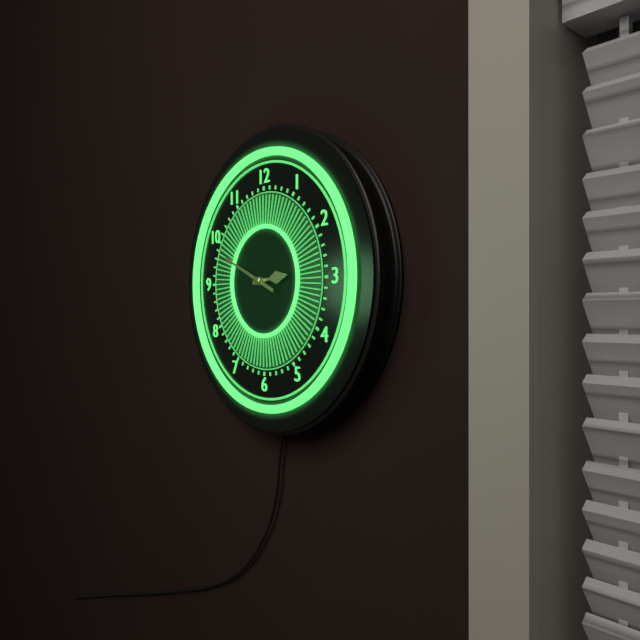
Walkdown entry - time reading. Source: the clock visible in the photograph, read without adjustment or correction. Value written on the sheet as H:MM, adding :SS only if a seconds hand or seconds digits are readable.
2:49
